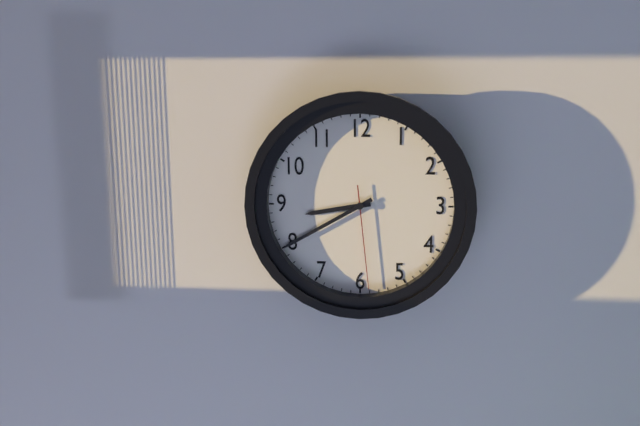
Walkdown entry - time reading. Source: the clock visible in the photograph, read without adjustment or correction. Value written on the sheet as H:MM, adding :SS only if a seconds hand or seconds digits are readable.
8:40:29
